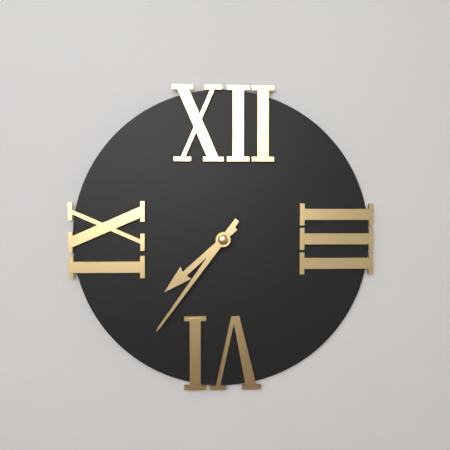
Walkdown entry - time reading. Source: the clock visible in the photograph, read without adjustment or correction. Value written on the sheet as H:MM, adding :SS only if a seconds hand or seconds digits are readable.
7:36
